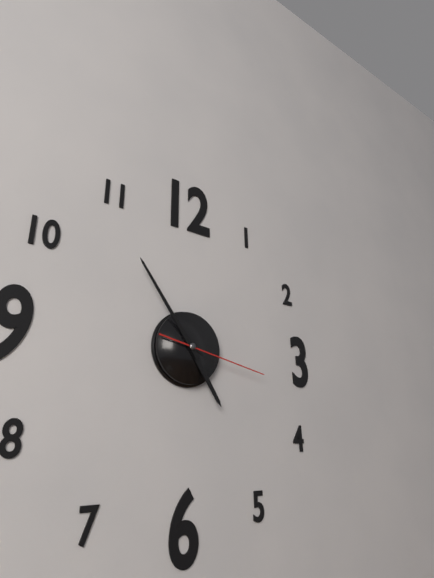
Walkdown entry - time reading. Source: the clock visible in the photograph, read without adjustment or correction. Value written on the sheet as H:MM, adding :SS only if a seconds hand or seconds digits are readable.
4:54:17
